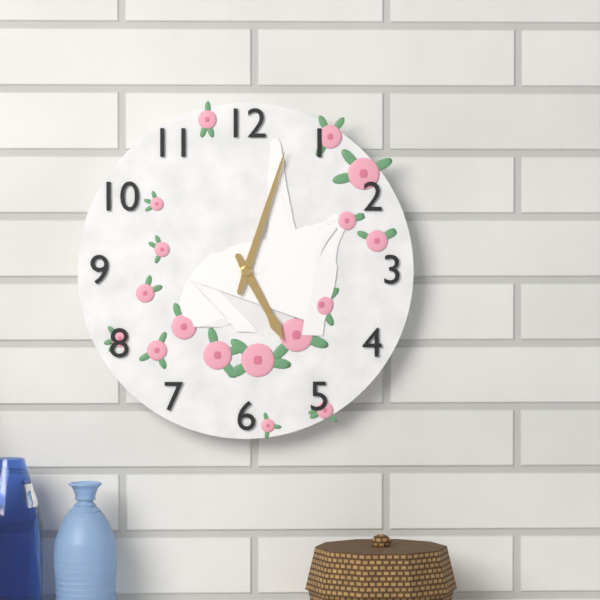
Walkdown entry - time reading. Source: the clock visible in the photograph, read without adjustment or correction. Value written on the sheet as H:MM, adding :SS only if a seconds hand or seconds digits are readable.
5:03
